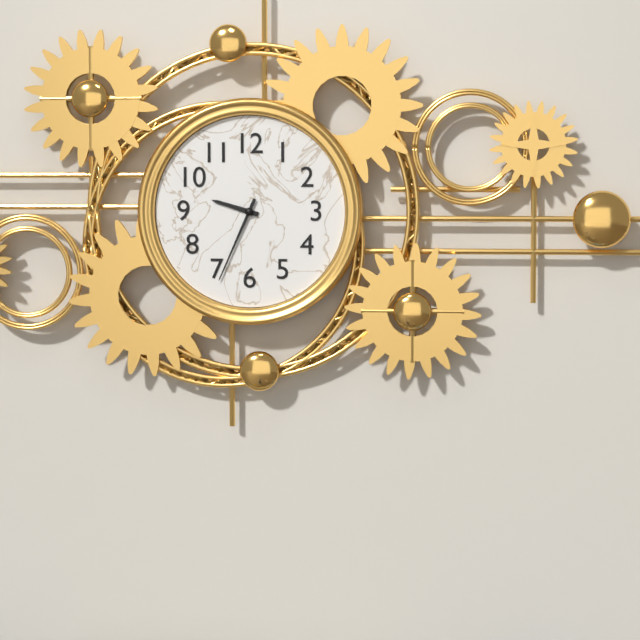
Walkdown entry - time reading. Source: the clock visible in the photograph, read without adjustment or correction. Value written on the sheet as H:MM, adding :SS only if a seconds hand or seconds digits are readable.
9:34
